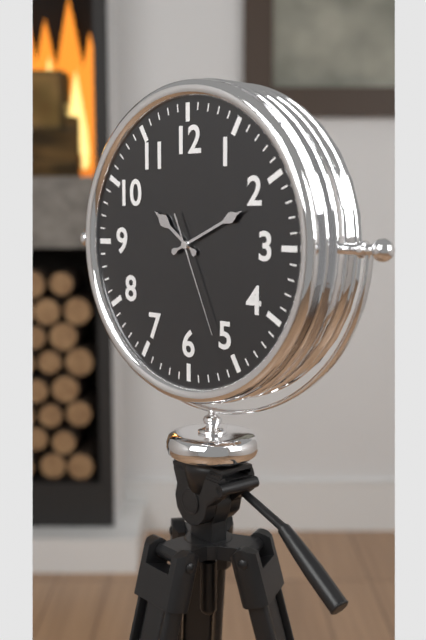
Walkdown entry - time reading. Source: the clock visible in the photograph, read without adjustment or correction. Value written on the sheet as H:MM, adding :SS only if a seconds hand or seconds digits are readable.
10:11:26
